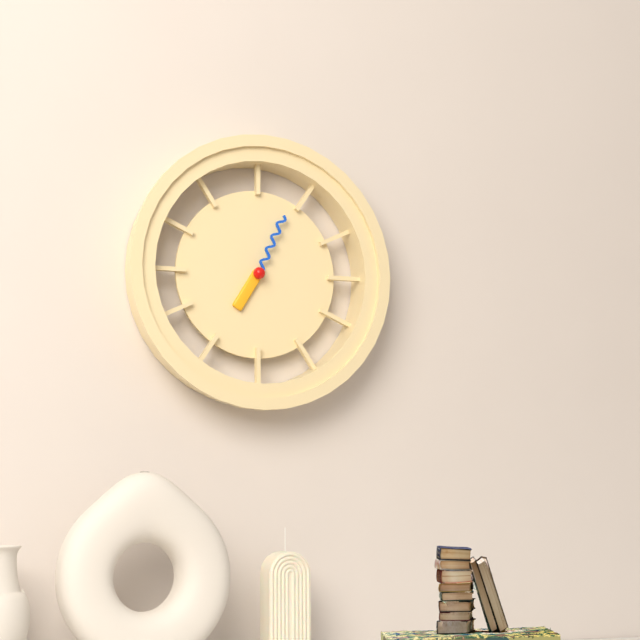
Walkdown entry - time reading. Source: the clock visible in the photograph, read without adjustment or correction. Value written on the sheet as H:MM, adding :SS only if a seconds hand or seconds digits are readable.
7:04
